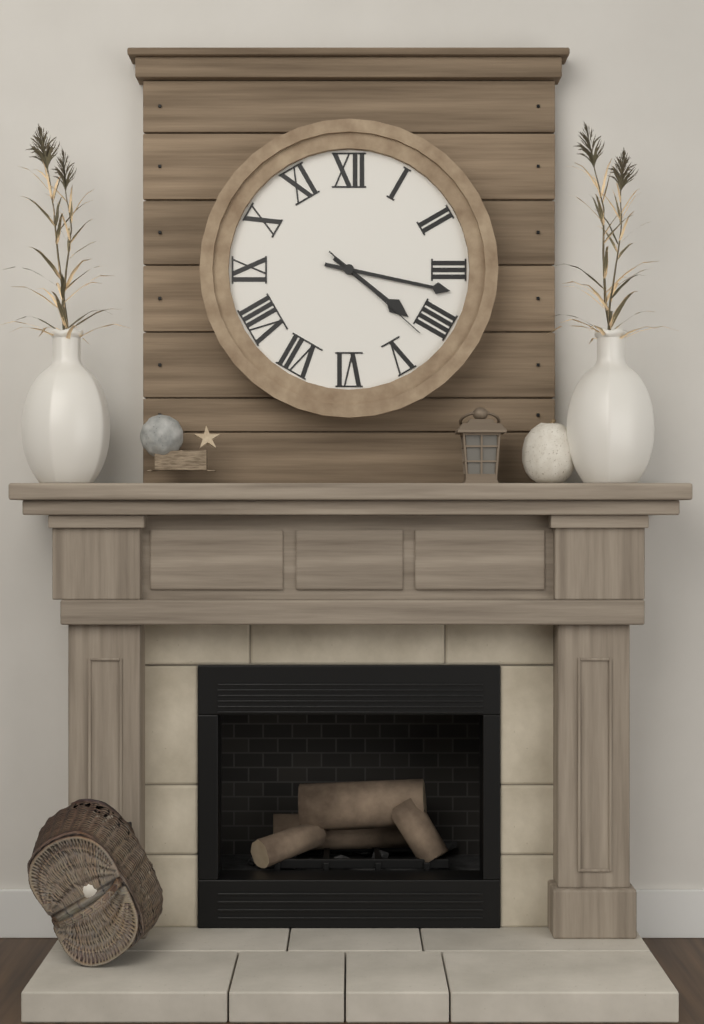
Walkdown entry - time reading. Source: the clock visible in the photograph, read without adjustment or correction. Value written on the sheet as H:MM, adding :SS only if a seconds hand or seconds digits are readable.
4:17:22
